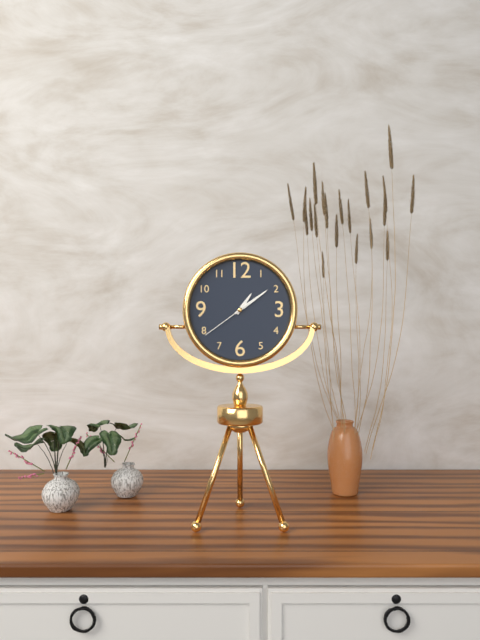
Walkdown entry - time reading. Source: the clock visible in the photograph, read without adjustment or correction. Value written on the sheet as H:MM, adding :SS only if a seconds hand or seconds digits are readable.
1:09:39
